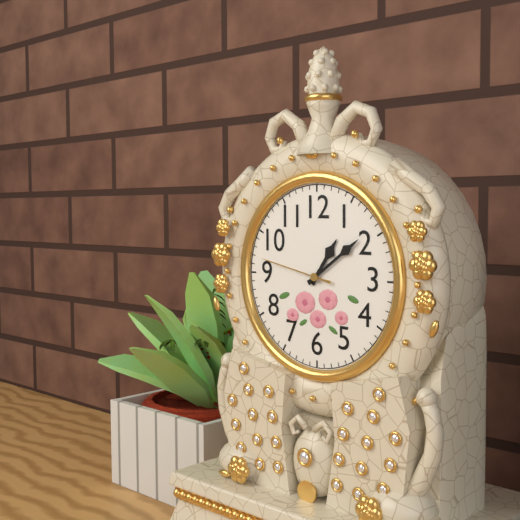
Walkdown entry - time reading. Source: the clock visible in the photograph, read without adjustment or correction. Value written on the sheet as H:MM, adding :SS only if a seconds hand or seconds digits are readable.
1:09:47
